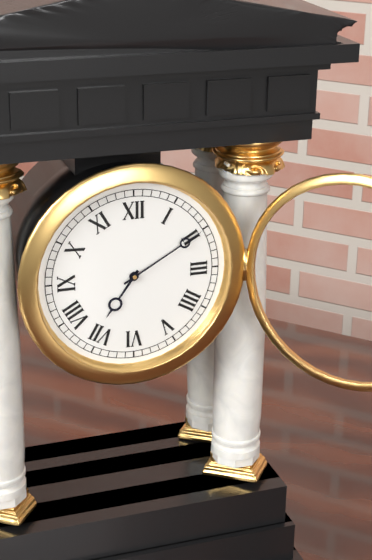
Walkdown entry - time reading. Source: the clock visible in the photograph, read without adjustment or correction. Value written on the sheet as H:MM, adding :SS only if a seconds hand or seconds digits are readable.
7:10
